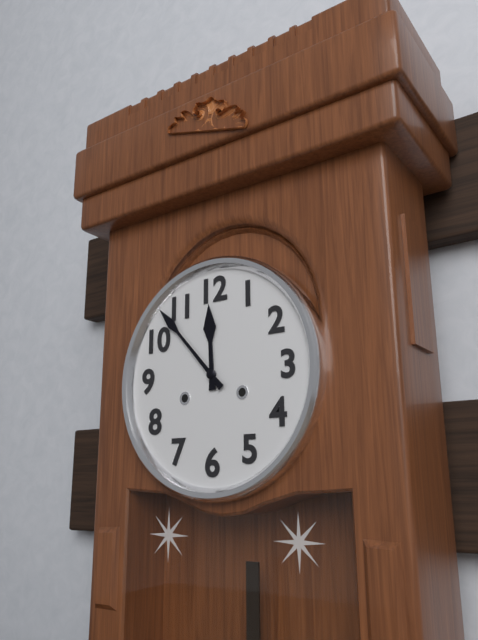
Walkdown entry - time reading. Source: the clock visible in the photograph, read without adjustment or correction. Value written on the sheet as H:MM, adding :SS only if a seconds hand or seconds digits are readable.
11:53
